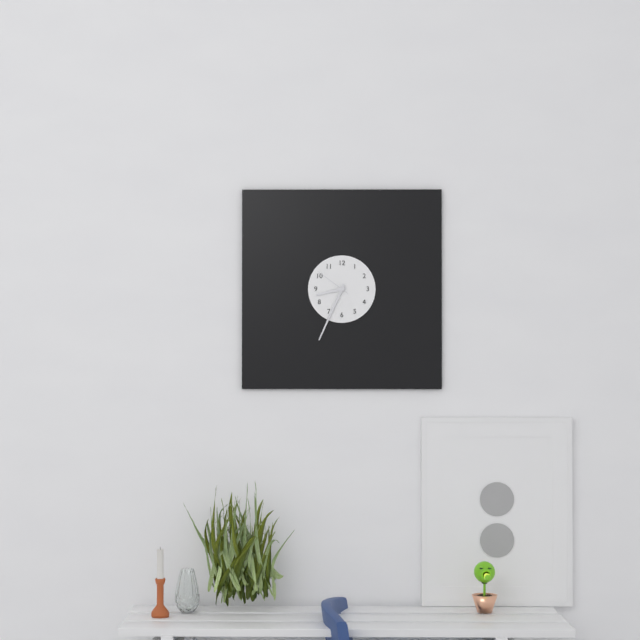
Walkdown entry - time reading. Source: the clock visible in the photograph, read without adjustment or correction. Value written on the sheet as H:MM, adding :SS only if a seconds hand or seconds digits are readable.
8:34
